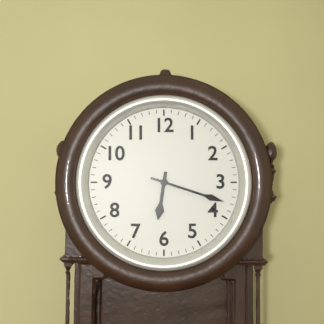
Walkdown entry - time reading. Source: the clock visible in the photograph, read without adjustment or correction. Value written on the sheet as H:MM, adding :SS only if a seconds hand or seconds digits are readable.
6:18
